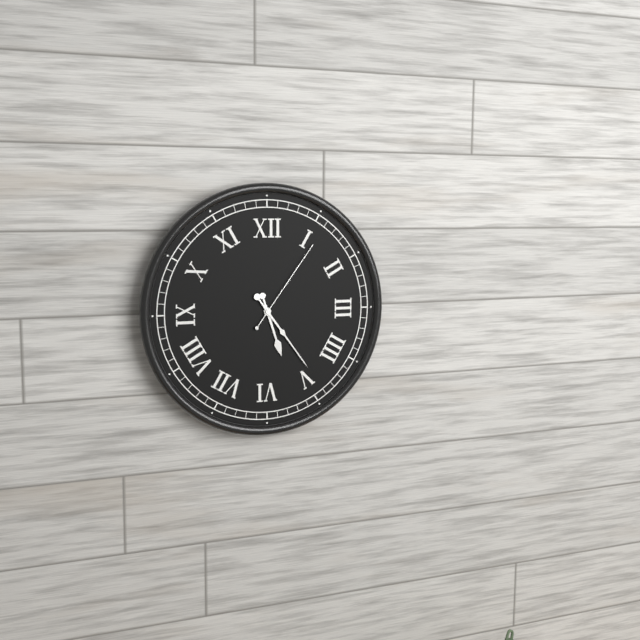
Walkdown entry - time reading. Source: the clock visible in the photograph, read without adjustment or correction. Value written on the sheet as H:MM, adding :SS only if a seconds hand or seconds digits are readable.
5:24:06
